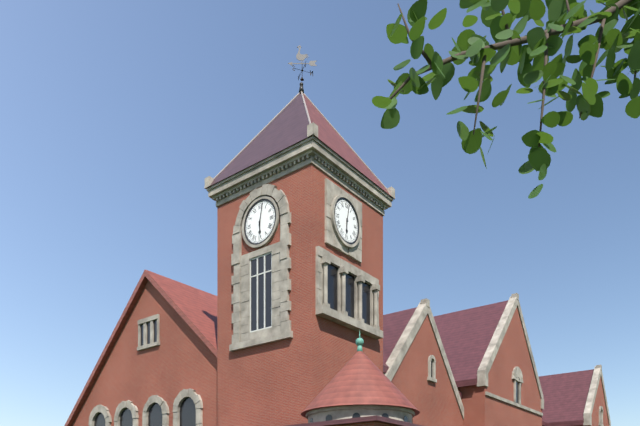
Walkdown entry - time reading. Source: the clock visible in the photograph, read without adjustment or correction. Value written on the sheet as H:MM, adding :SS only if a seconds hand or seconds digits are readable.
6:02
